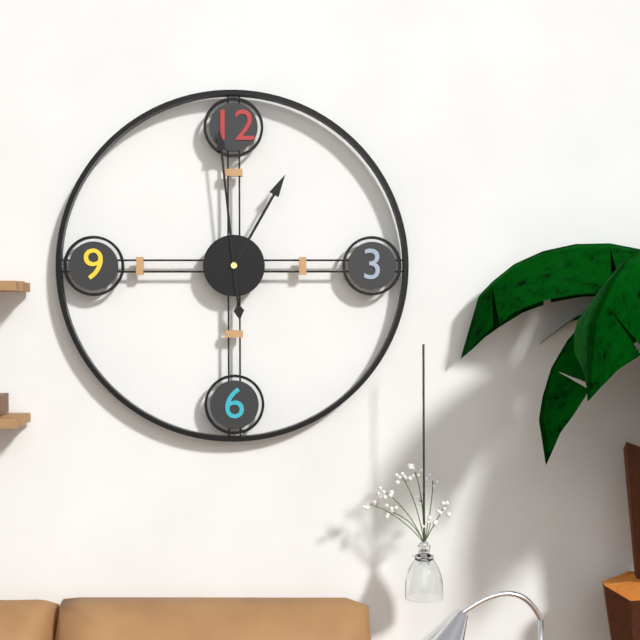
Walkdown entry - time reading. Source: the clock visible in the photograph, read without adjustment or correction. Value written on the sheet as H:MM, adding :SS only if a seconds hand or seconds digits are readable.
12:59
